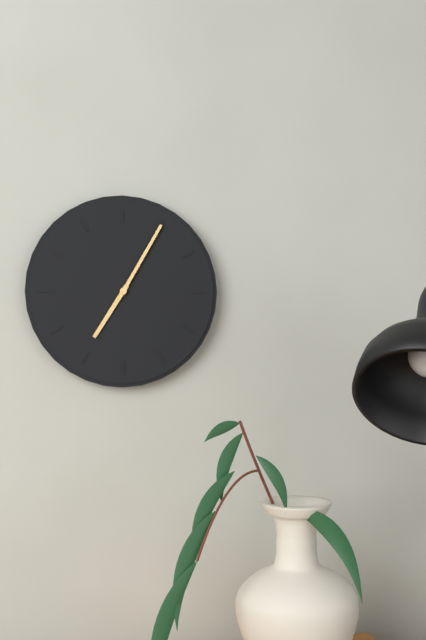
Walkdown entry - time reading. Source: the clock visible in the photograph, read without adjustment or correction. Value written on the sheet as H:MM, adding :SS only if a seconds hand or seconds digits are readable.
7:05
